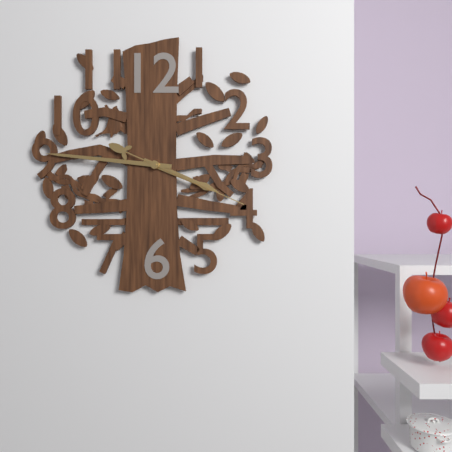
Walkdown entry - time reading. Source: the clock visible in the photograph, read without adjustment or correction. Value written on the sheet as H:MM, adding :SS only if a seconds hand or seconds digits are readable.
3:46:19
